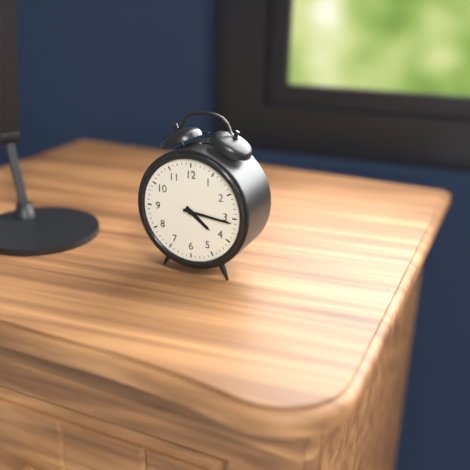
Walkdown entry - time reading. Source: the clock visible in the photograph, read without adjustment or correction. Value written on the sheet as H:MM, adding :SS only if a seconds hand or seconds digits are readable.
4:16
